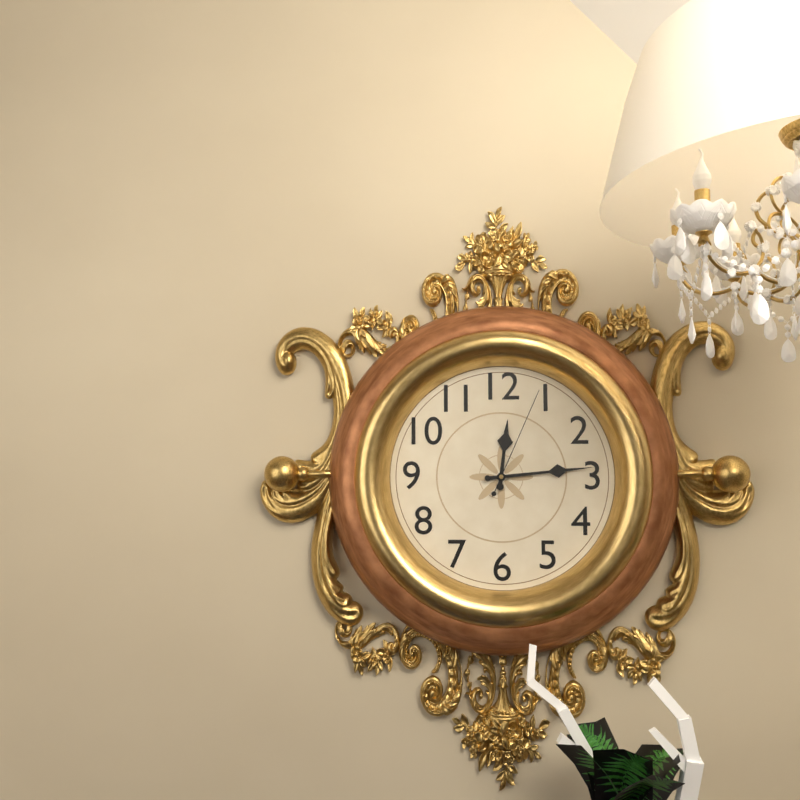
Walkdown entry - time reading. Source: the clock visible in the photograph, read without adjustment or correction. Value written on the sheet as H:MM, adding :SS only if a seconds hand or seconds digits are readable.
12:14:04
